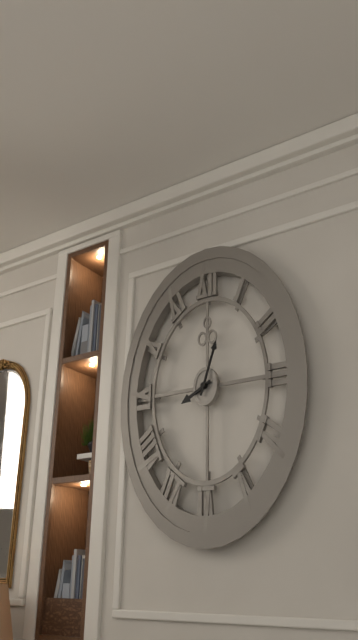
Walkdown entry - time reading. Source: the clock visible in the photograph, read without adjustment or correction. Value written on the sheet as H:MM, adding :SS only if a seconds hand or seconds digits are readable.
8:03
